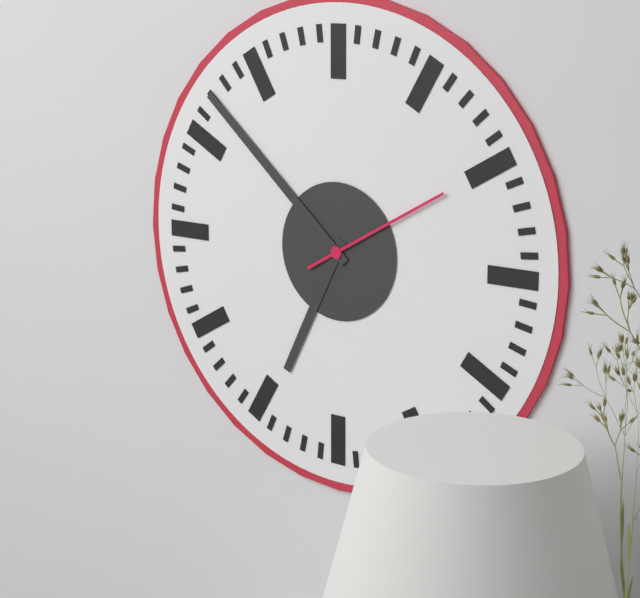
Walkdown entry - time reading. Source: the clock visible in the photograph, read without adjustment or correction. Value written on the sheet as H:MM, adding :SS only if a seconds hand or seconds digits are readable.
6:52:10
